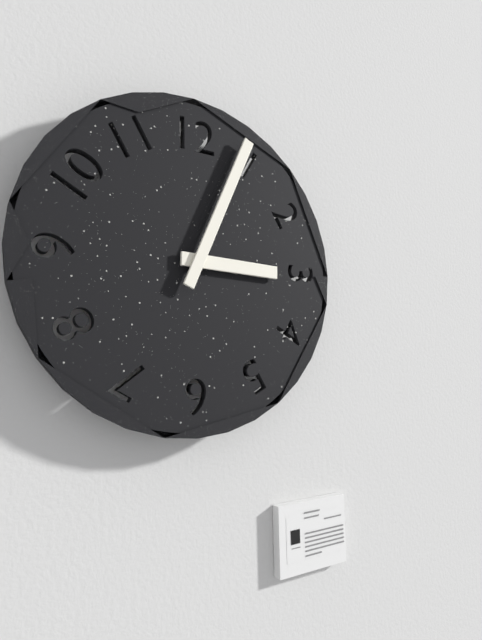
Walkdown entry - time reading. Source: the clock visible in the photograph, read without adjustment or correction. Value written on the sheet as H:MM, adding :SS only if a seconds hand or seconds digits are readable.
3:04
